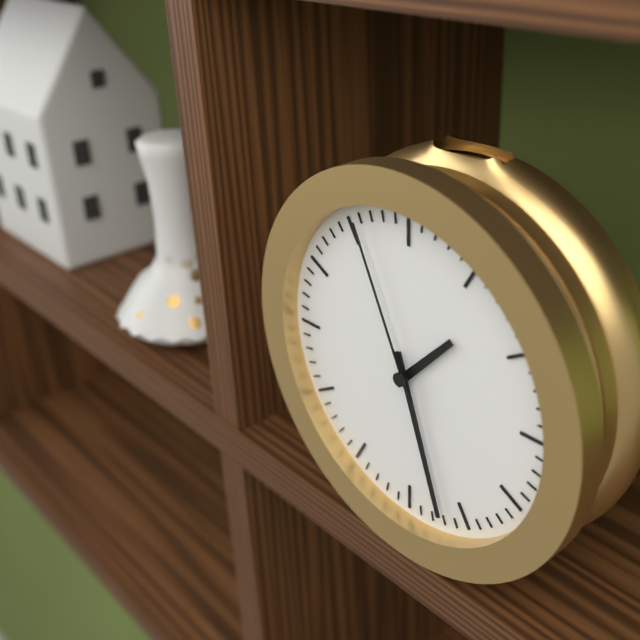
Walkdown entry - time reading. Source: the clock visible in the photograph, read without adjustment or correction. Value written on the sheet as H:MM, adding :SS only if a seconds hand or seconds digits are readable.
1:27:56
